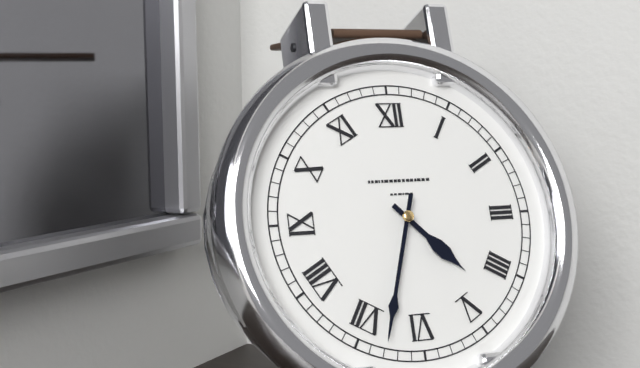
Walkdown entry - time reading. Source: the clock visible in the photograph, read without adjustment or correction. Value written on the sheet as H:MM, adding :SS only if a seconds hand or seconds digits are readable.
4:33
